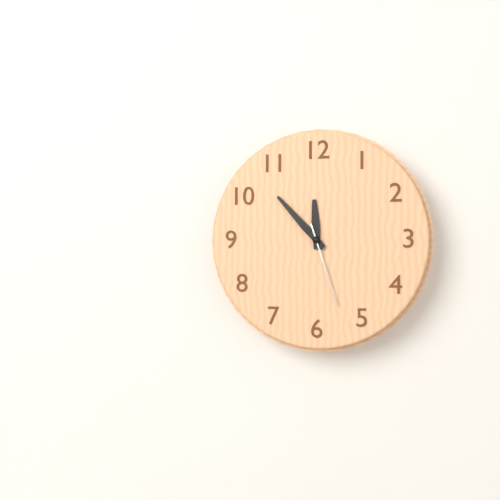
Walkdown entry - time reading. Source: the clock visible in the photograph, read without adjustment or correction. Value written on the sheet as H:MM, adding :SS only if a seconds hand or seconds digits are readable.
11:53:27
